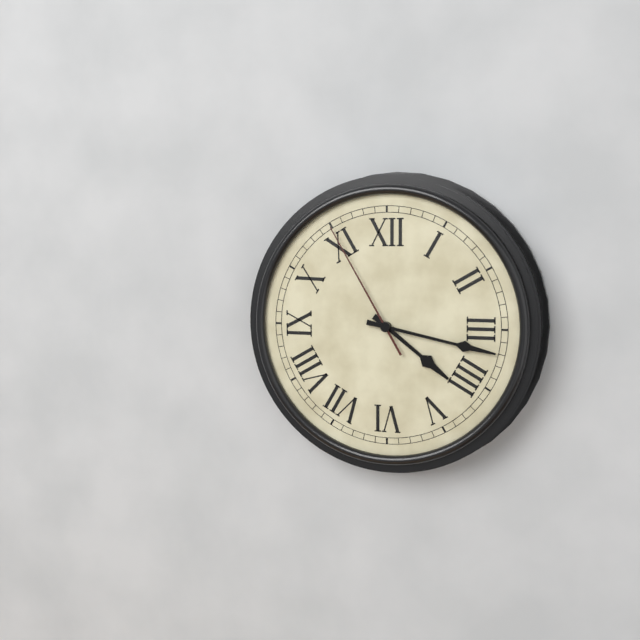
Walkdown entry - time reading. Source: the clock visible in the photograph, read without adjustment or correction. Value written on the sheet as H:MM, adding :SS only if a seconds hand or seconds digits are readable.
4:17:55
